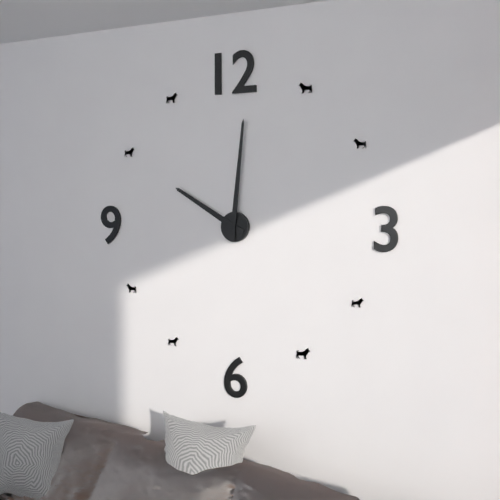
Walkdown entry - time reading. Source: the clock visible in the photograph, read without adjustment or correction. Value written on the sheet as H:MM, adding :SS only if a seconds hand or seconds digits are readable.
10:01
